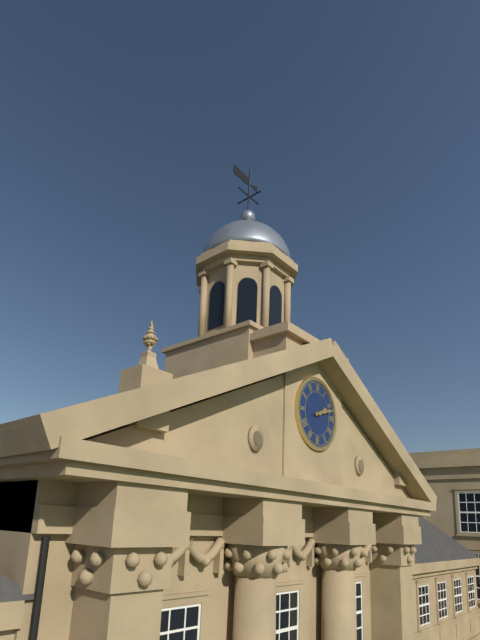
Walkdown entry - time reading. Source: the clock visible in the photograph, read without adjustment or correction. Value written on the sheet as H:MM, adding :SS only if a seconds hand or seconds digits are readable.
2:12
